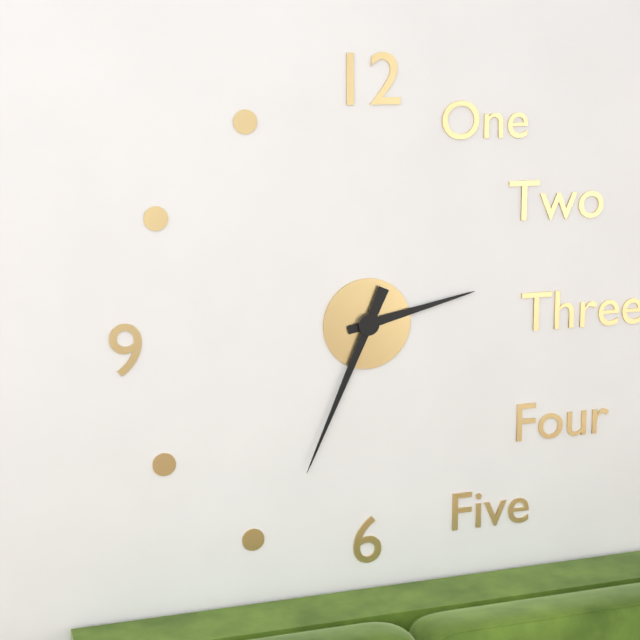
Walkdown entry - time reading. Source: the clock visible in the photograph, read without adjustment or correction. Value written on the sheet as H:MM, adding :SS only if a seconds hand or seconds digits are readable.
2:34
